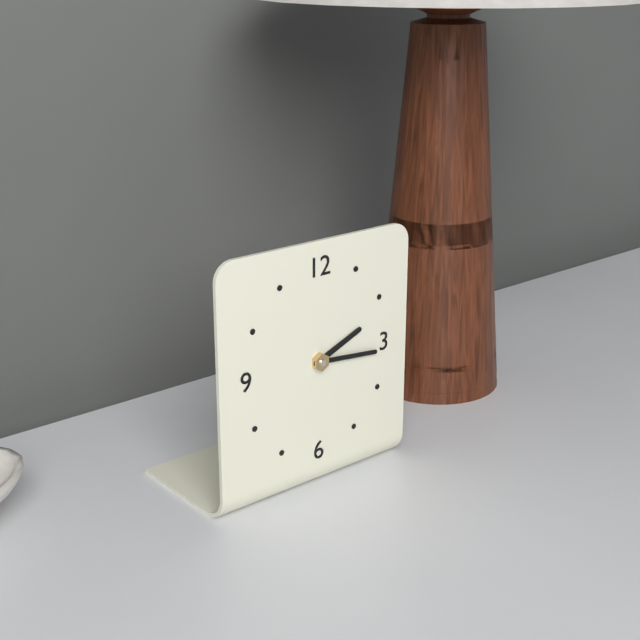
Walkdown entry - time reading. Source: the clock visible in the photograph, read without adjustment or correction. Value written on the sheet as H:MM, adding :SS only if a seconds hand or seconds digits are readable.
2:16
